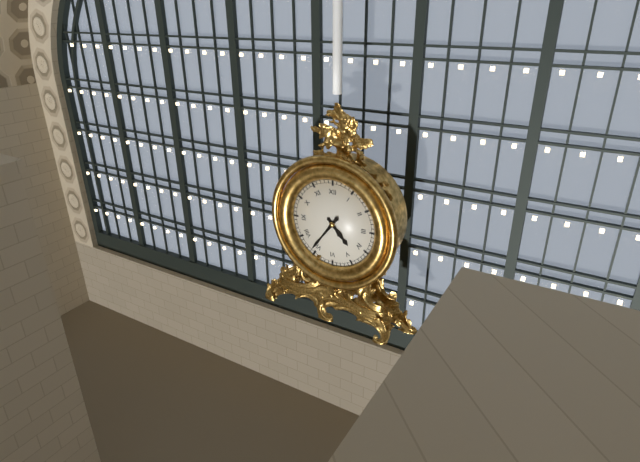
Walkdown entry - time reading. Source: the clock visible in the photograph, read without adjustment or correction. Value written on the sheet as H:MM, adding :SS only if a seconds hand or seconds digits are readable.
4:36
